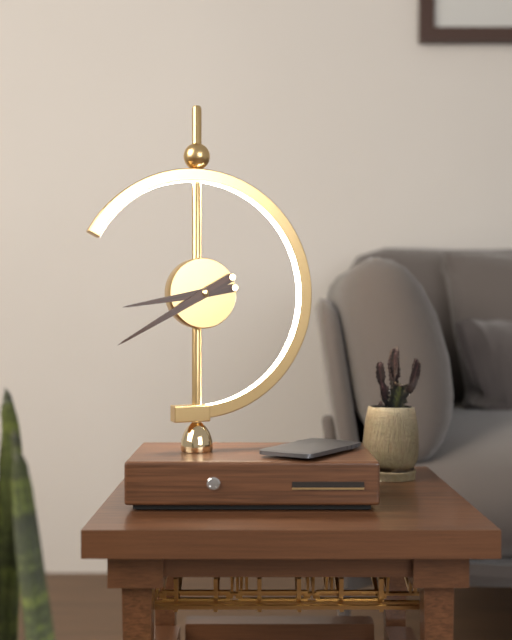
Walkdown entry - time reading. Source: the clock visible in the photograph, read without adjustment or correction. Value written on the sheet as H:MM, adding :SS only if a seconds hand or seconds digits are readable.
8:40
